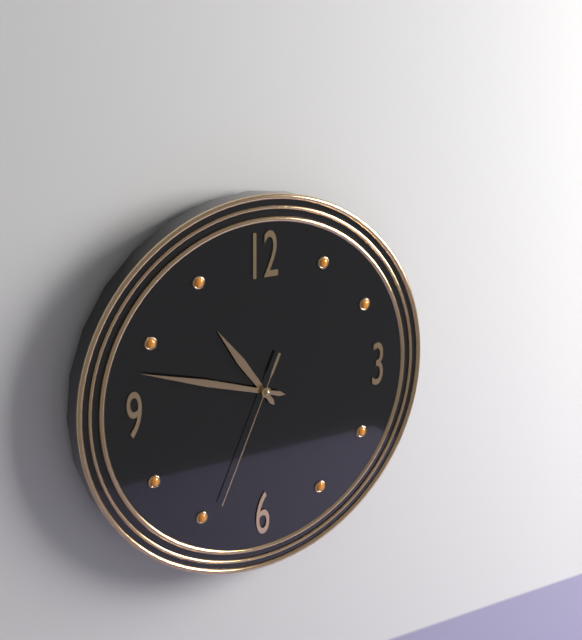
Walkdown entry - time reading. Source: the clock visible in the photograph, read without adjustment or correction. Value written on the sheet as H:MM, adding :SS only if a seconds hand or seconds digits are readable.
10:48:34
